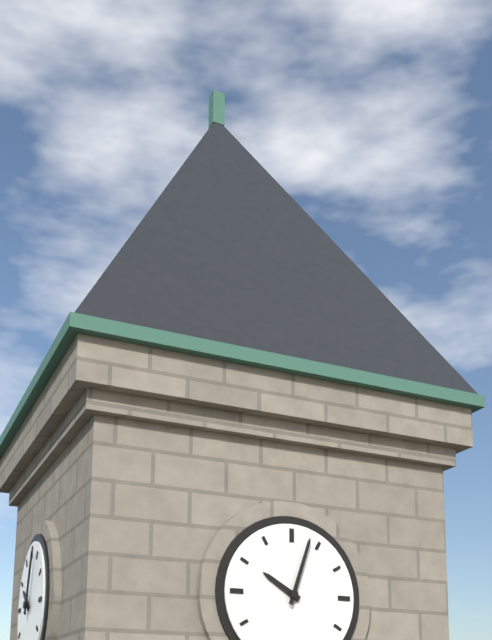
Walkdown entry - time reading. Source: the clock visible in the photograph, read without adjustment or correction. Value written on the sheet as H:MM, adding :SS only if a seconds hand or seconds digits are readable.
10:03
